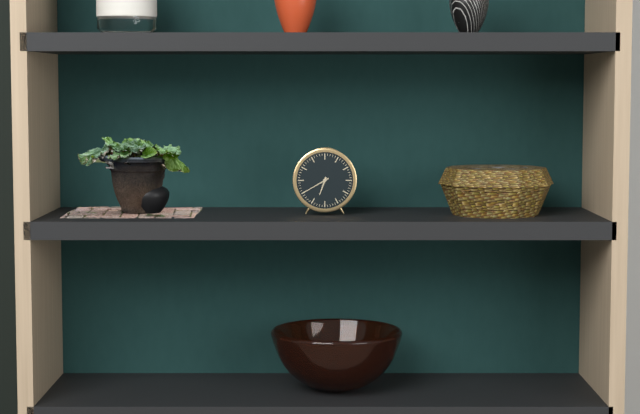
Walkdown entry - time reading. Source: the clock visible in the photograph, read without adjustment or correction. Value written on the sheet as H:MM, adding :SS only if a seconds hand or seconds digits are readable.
6:40
